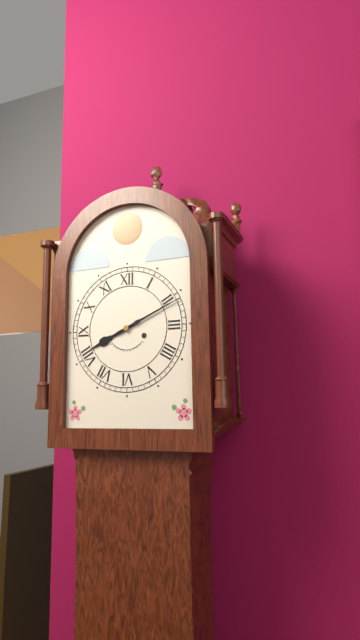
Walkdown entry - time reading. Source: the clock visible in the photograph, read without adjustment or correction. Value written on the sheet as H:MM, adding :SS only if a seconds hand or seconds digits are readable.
8:11
